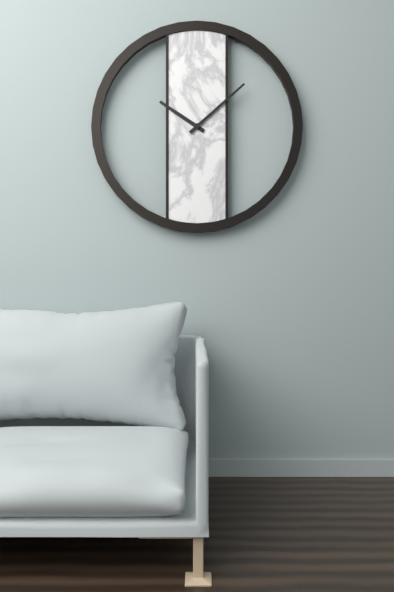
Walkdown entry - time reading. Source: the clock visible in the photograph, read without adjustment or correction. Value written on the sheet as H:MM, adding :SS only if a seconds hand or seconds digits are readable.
10:08
